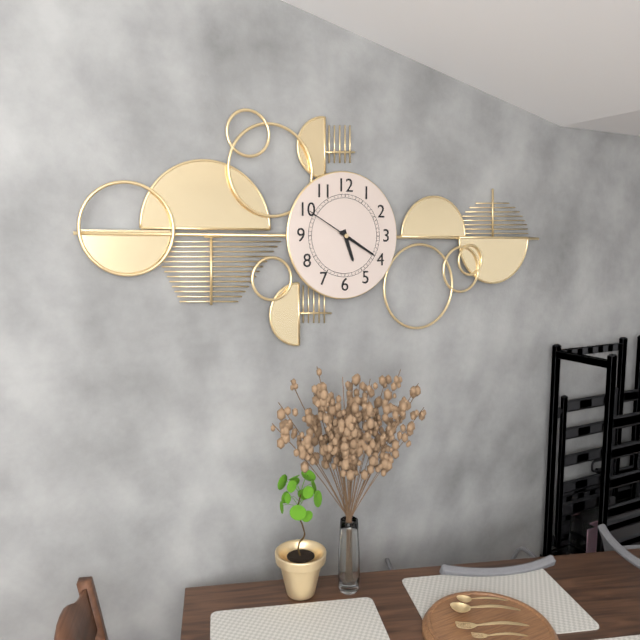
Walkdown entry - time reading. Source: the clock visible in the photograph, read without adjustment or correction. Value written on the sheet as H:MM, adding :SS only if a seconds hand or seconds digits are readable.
5:20:50
